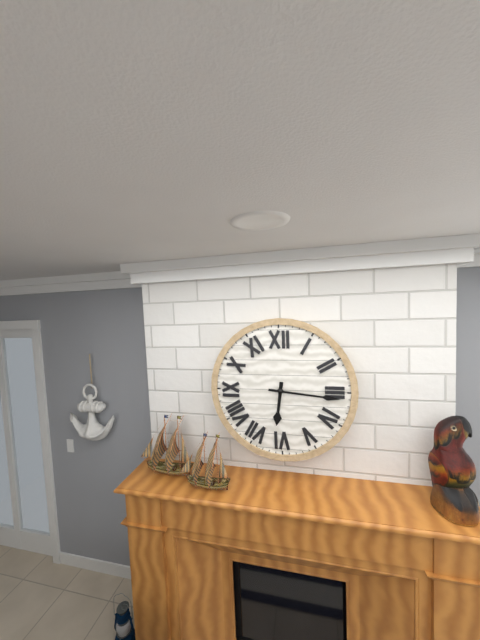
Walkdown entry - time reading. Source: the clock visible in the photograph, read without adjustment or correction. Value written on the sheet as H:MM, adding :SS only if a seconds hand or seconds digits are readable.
6:16
